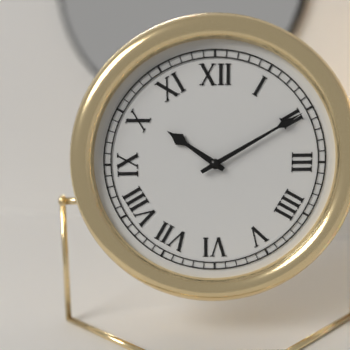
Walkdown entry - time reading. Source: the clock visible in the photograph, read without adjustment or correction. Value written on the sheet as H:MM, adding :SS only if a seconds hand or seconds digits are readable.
10:10
